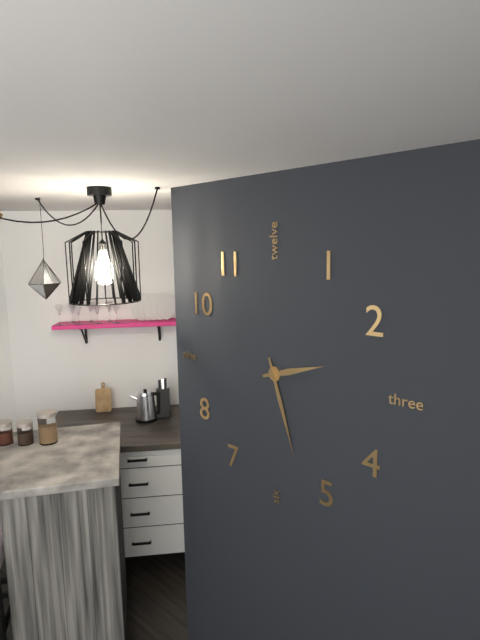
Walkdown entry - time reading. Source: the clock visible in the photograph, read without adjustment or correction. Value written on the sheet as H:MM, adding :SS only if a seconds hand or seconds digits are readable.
2:27
